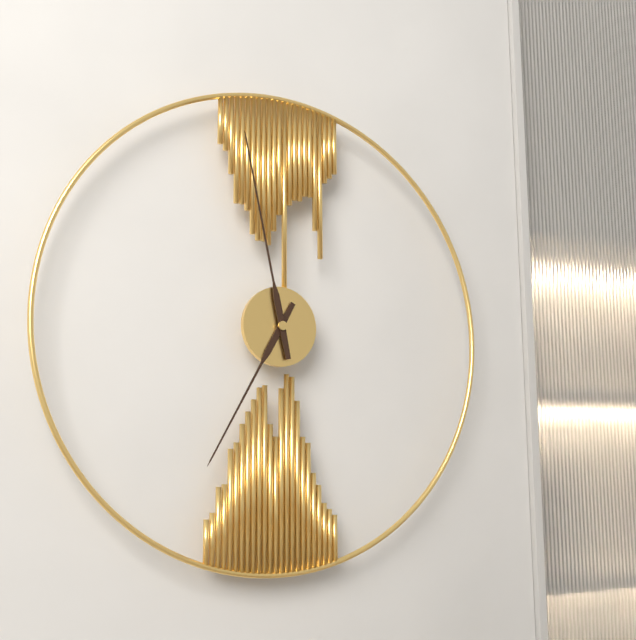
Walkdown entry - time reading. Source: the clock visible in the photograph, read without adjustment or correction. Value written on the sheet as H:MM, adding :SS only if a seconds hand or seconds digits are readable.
6:58
